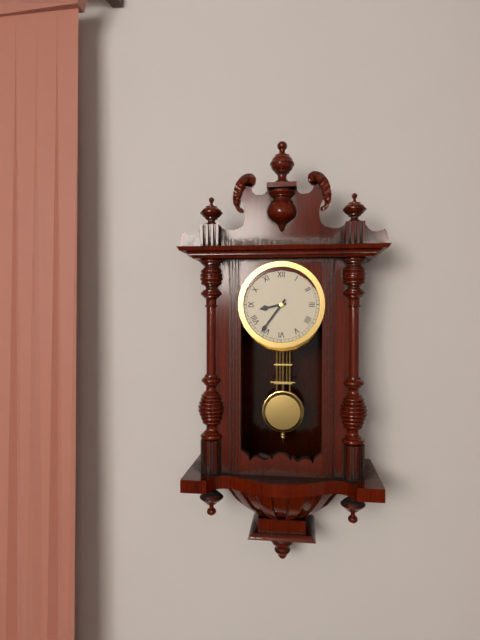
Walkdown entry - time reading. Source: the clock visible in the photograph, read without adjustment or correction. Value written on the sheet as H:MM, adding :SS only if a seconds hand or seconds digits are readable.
8:36
